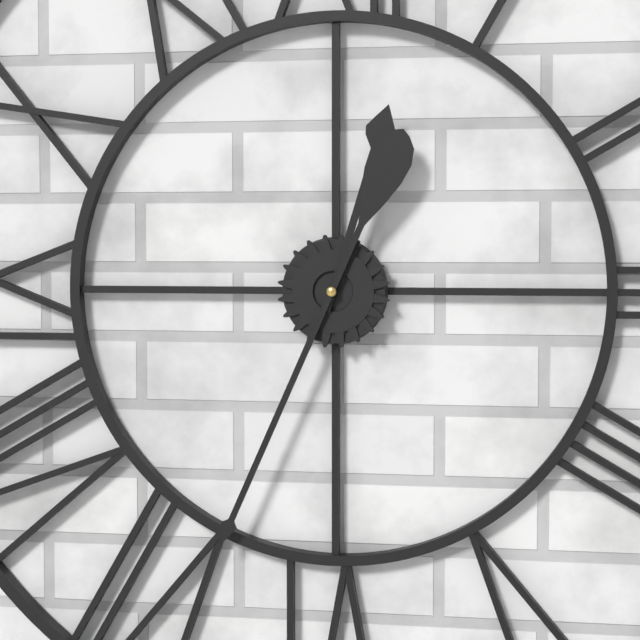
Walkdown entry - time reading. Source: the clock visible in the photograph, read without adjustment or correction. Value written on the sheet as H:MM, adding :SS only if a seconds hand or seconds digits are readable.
12:34
